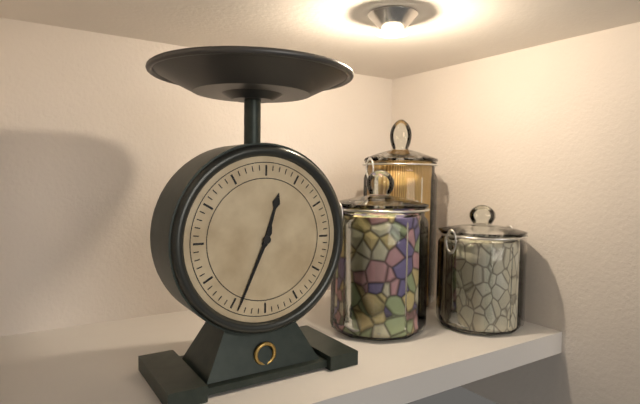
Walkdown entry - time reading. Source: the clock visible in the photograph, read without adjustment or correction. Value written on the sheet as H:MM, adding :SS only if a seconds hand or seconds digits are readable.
12:34
